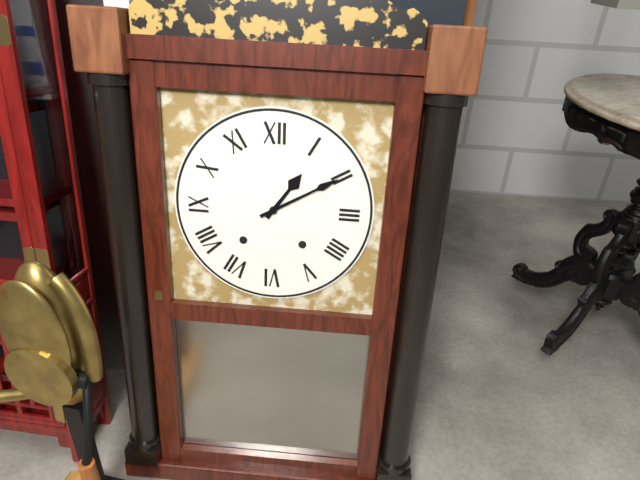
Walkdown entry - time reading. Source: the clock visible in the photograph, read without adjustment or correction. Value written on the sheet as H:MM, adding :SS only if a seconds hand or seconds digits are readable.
1:10
